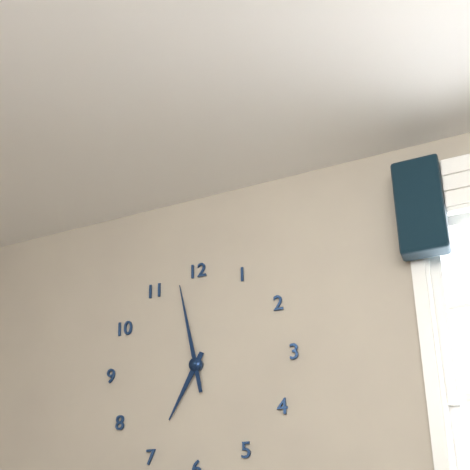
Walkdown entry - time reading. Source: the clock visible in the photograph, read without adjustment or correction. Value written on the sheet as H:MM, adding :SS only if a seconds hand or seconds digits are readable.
6:58
